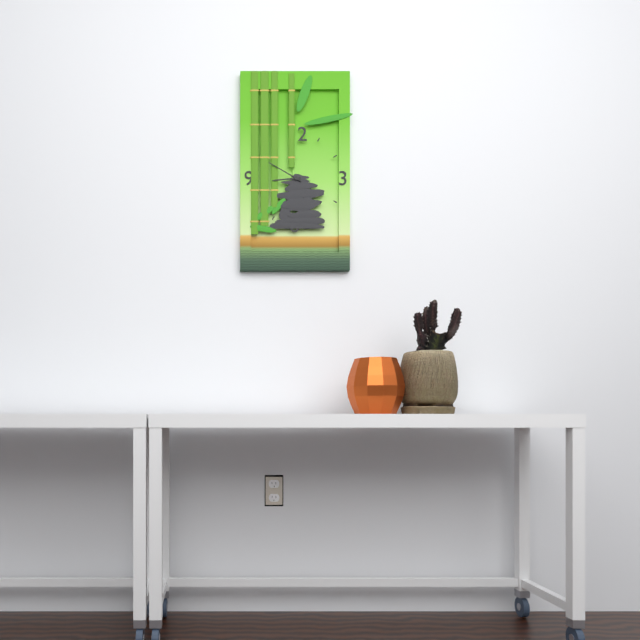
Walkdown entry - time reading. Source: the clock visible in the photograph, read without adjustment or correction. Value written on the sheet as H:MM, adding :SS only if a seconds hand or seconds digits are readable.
8:50
